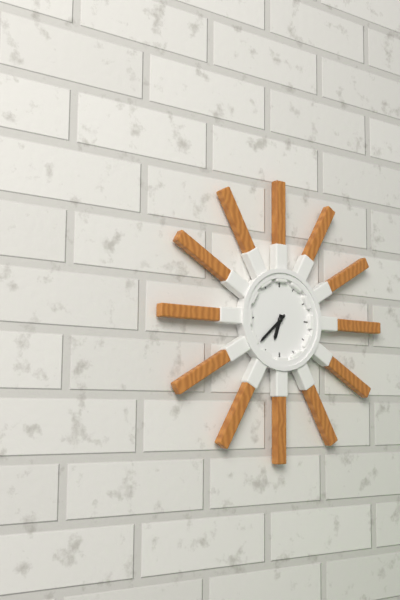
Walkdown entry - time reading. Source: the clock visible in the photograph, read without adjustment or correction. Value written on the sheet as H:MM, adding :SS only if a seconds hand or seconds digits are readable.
6:38
